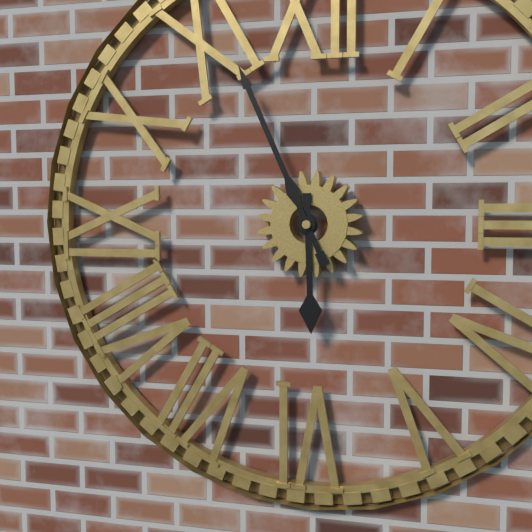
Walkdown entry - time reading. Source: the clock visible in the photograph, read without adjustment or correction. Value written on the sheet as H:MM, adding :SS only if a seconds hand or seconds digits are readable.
5:56
